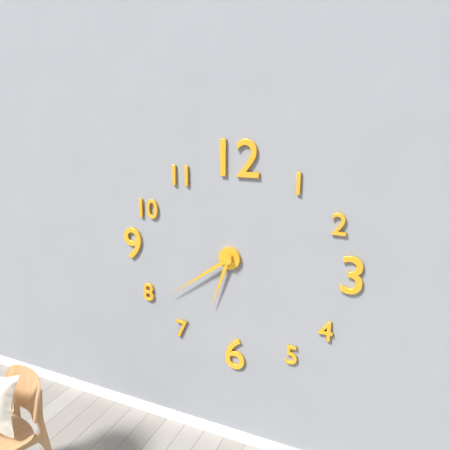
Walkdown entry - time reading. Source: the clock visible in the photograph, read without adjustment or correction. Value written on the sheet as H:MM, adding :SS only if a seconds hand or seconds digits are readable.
6:39
